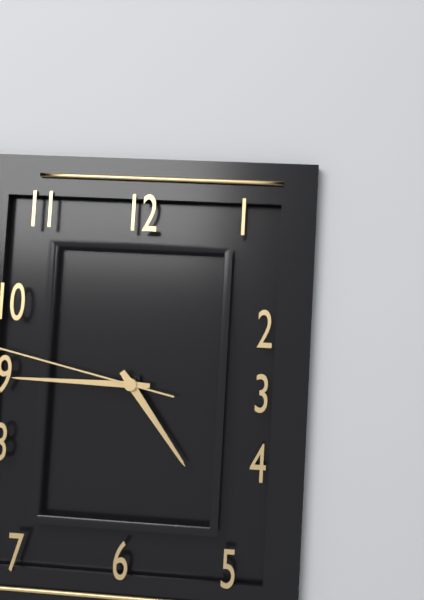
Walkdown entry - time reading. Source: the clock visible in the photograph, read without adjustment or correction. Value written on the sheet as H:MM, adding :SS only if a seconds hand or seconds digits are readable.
4:45
